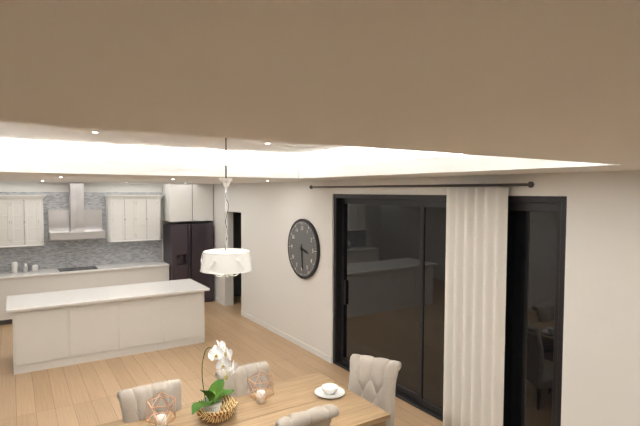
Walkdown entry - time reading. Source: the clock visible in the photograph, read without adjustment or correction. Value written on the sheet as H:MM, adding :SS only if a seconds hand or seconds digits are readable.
3:29
